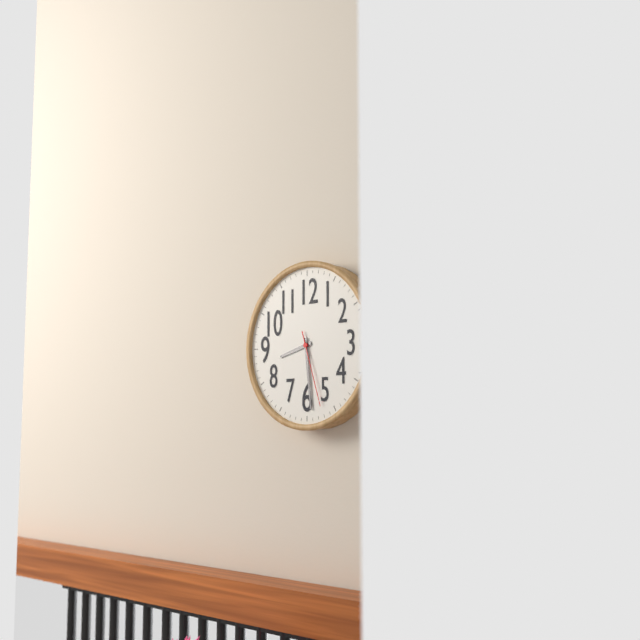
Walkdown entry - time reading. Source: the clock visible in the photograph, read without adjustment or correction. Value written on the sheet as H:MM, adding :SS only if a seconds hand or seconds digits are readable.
8:29:27
